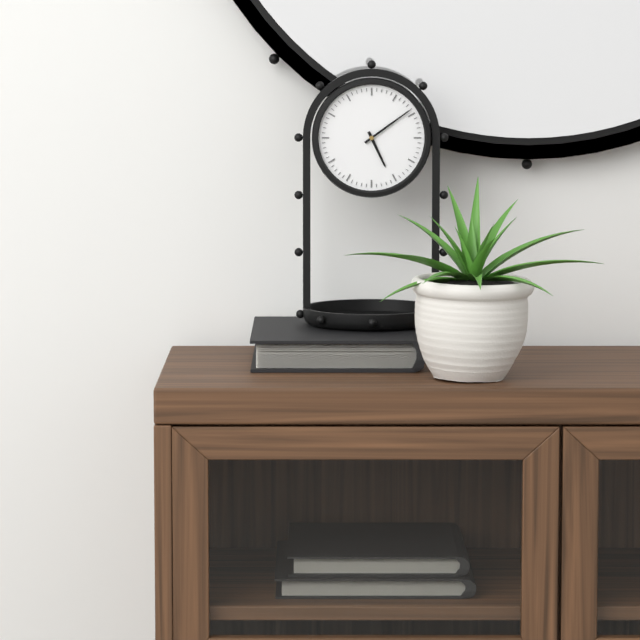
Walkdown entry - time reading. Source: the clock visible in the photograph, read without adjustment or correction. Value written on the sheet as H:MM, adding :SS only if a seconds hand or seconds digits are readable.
5:09
